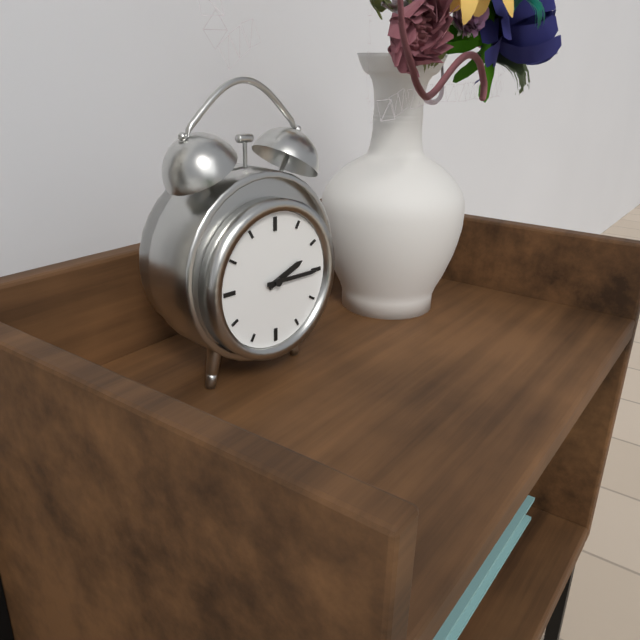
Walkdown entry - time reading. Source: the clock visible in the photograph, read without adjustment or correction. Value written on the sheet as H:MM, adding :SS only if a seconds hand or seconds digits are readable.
2:15
